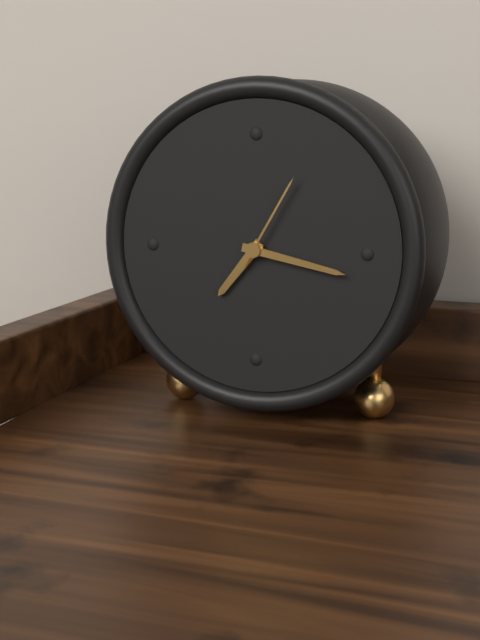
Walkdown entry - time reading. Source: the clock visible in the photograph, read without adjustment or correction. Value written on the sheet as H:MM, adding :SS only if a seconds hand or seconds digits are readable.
7:17:05
